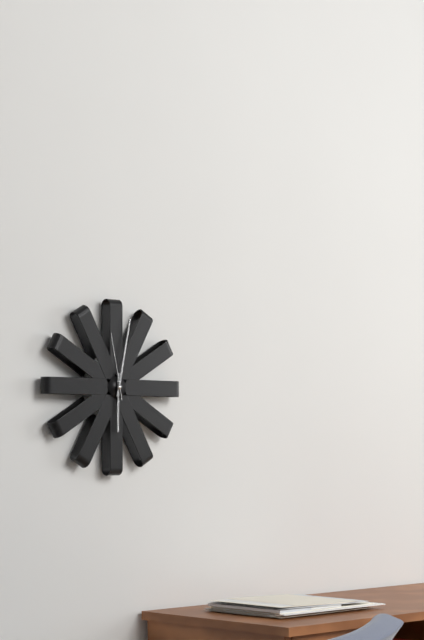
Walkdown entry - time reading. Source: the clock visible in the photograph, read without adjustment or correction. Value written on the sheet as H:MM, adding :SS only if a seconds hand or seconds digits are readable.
6:02:58
